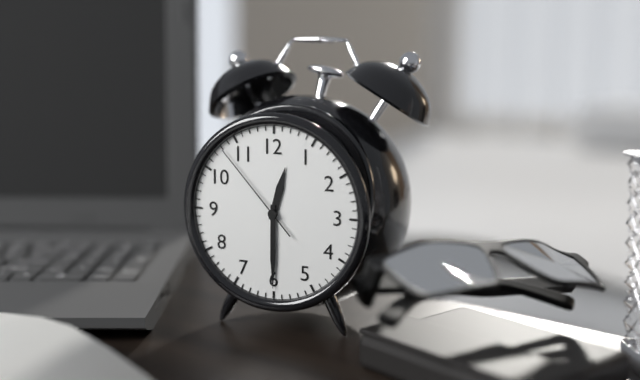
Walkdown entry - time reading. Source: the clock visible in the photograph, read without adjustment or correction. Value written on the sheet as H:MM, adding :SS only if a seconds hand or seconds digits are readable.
12:30:53
